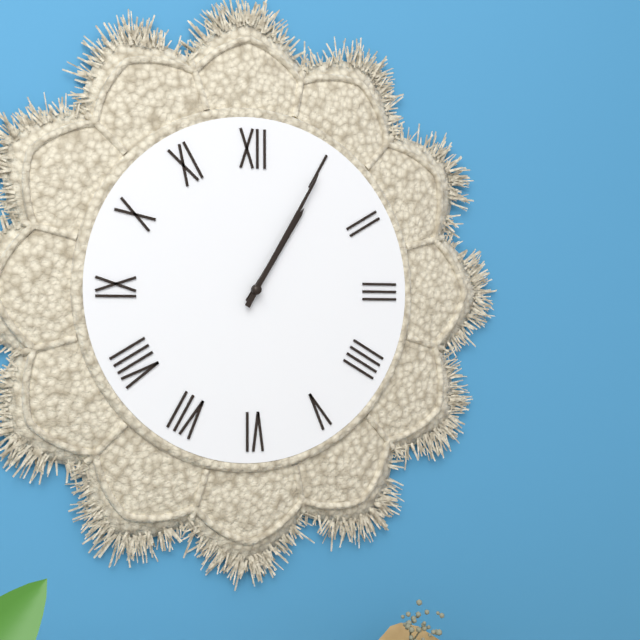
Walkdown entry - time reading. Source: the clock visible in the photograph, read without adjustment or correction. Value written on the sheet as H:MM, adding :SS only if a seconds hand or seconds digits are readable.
1:05
